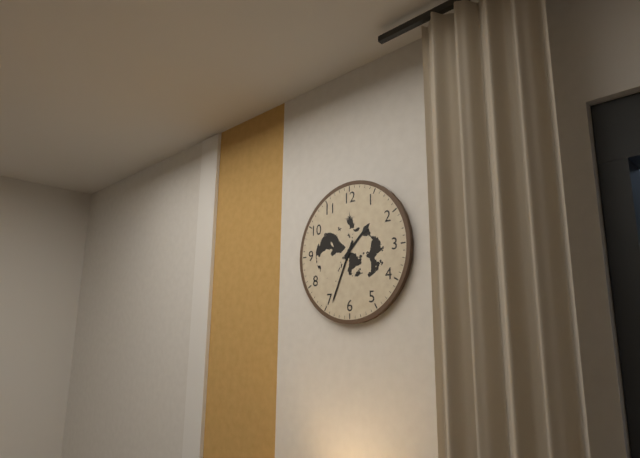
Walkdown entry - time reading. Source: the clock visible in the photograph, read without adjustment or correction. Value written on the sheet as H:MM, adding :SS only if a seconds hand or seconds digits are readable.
1:34
